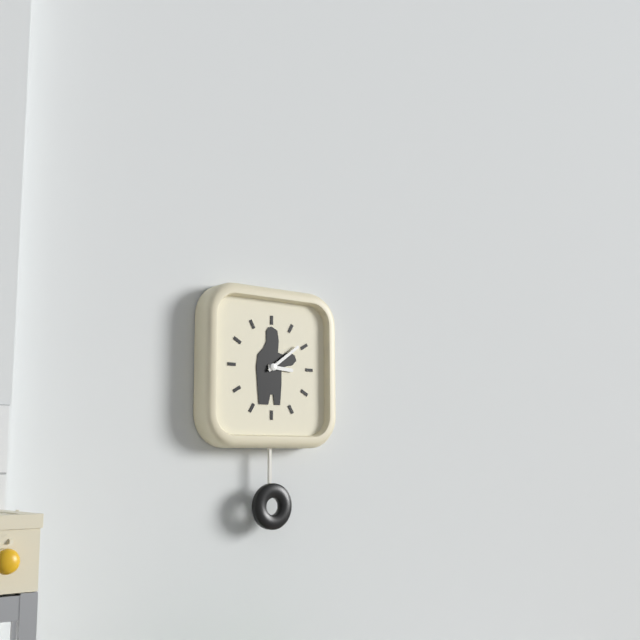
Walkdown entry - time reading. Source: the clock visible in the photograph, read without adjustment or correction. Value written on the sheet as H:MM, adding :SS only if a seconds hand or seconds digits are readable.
3:09
